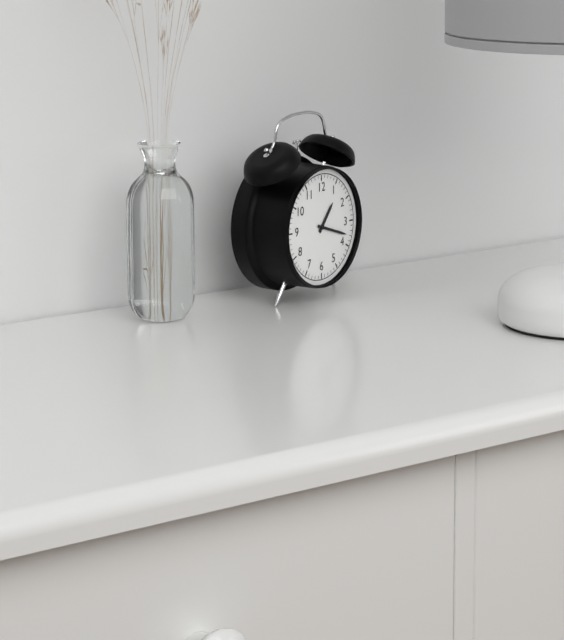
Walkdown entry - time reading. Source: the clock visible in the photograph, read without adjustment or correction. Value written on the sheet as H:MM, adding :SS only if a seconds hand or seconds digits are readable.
1:18
